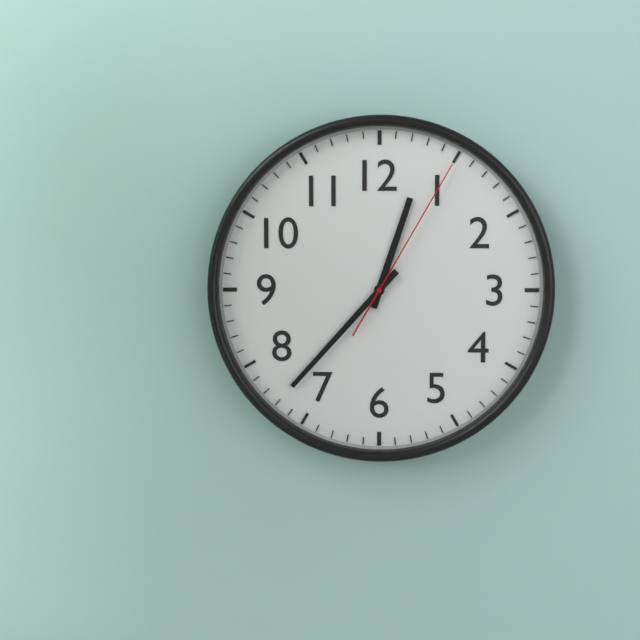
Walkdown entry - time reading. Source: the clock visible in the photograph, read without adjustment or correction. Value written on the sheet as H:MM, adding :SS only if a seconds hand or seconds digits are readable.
12:37:05
